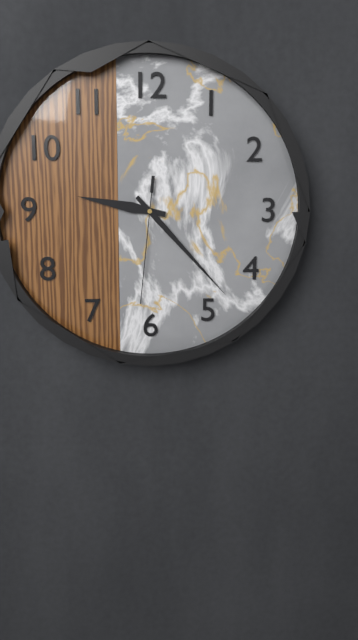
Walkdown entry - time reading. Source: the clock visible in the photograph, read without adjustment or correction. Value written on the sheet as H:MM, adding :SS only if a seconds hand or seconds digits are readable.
9:23:31
